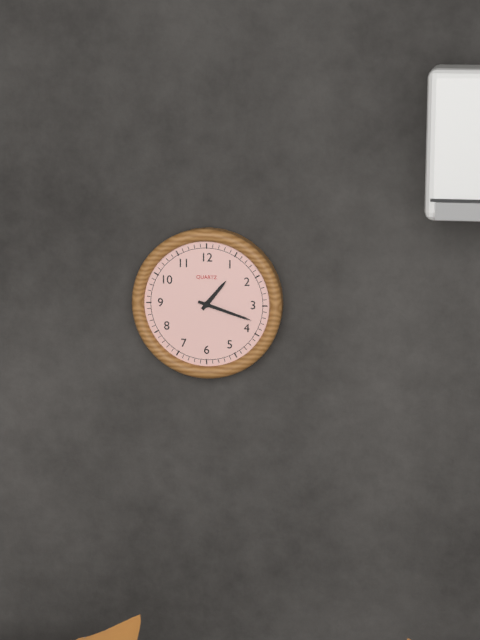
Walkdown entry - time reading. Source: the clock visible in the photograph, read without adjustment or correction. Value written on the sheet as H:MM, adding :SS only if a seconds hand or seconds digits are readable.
1:18
